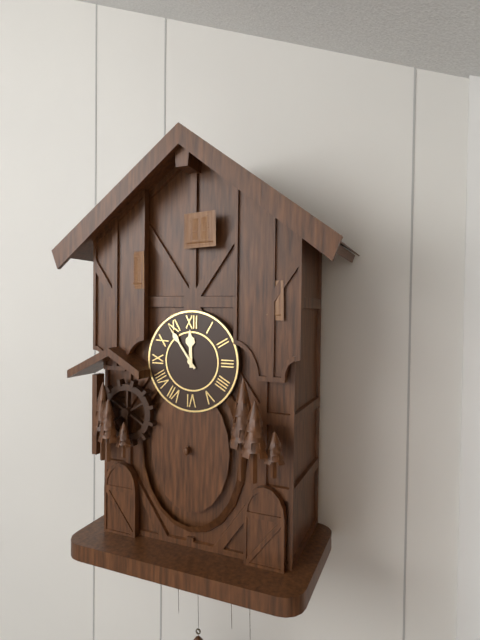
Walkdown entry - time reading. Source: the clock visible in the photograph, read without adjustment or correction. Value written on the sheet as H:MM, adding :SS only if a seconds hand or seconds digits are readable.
11:54
